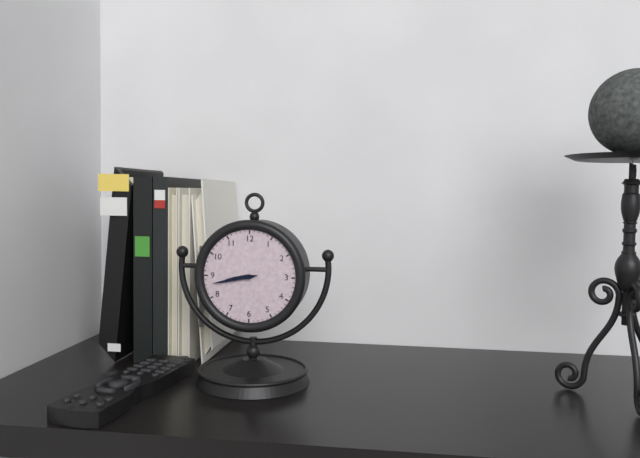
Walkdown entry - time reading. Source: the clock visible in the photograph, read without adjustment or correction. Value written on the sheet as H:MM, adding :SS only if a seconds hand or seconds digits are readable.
8:43
